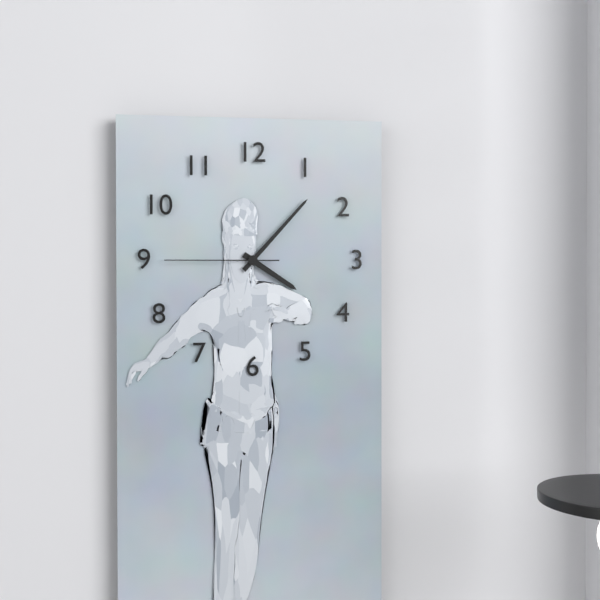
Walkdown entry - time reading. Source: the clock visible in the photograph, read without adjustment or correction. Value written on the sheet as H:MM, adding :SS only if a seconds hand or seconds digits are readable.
4:07:45
